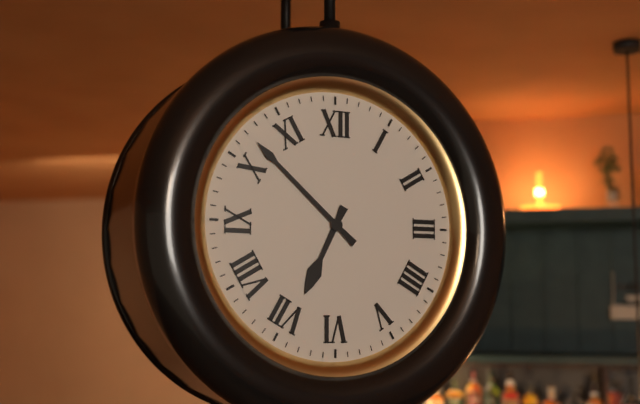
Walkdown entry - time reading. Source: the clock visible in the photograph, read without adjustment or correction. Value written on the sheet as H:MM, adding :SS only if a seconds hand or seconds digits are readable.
6:52
